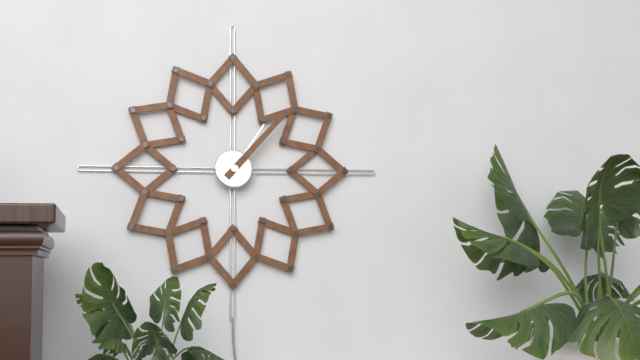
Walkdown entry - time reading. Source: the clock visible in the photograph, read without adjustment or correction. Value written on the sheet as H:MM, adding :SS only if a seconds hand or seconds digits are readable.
1:07
